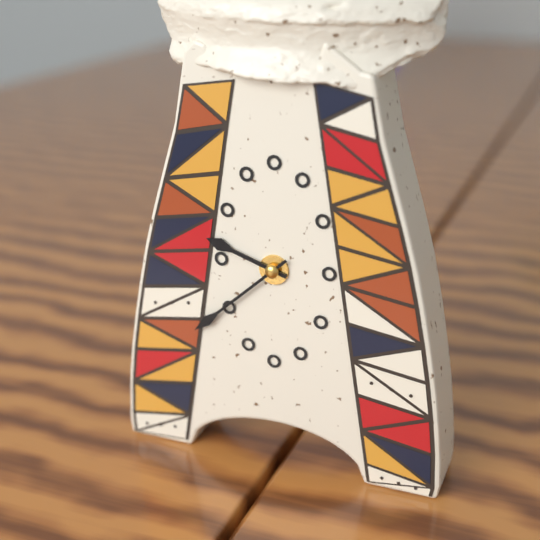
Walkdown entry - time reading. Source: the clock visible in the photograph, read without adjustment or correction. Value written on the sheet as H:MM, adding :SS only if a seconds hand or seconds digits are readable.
9:38
